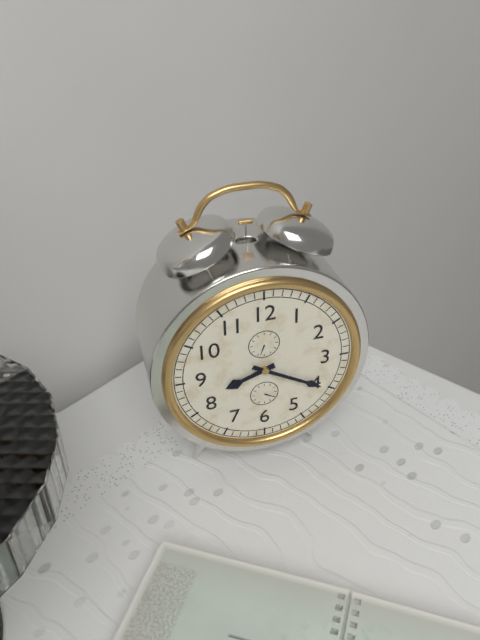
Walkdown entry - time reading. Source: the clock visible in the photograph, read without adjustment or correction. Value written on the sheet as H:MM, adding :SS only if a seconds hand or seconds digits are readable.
8:20
